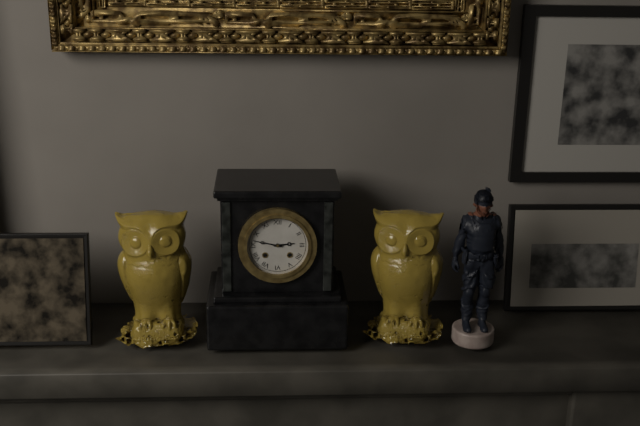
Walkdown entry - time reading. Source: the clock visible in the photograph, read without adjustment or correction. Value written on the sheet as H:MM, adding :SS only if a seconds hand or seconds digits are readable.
2:47
